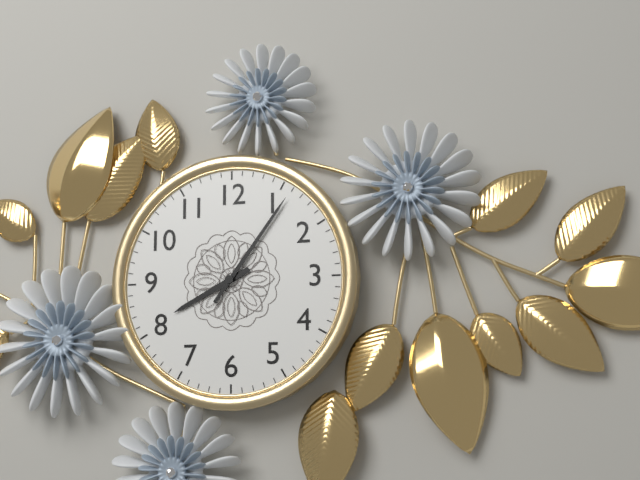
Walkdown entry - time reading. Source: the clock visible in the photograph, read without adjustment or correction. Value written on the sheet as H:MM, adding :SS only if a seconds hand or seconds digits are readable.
8:06
